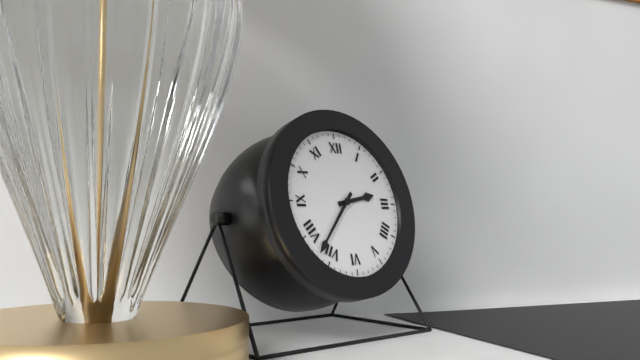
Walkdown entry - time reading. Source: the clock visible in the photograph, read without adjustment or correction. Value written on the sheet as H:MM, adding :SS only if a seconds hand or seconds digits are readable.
2:37
